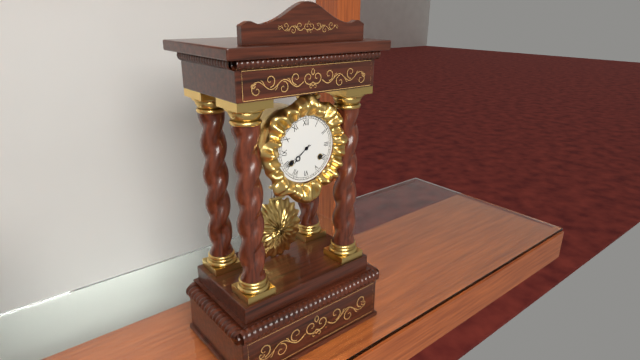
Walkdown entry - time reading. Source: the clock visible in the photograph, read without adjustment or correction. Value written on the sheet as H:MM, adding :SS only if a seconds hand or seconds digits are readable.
7:40
